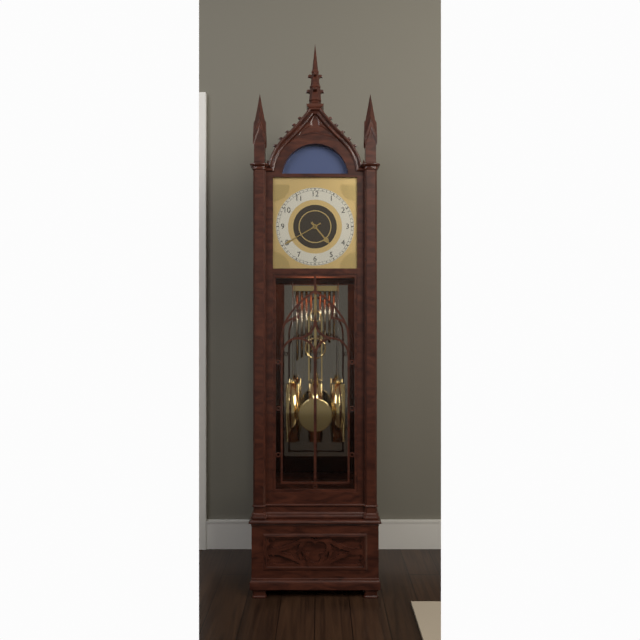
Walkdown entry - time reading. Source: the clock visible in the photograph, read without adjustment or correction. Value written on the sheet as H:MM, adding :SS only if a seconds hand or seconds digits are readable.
4:40
